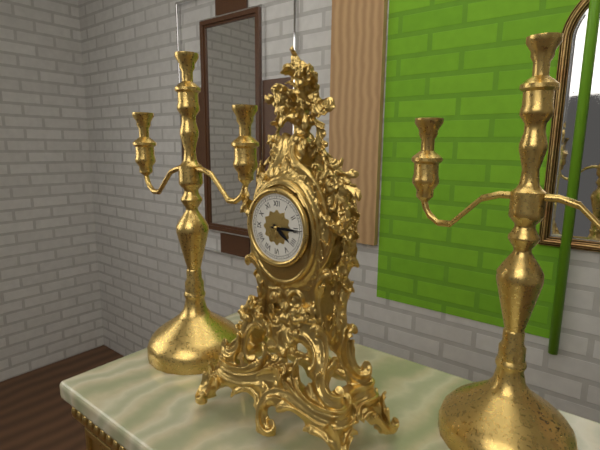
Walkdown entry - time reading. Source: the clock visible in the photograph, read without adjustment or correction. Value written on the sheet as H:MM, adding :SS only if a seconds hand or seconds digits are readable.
4:15
